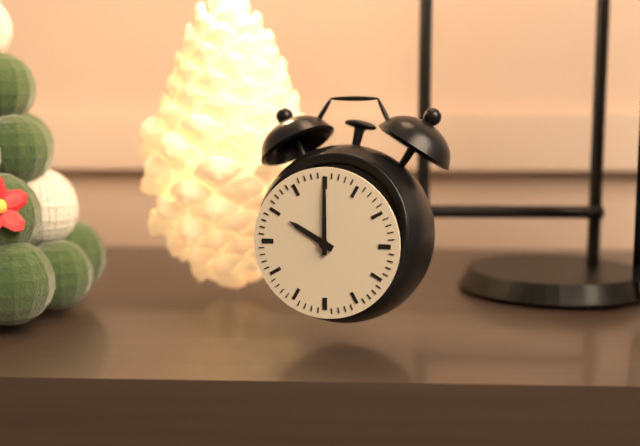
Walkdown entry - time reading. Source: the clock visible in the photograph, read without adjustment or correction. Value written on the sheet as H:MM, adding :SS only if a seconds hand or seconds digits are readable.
10:00
